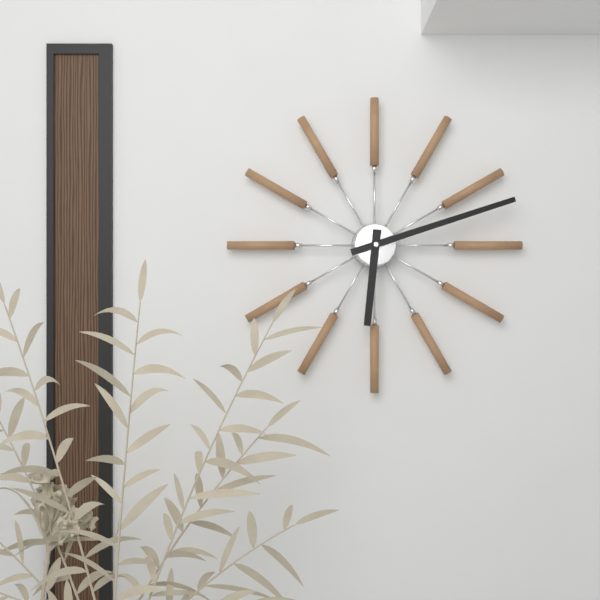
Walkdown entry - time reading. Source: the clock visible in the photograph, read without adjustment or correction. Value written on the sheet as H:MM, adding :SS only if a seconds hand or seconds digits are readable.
6:12
